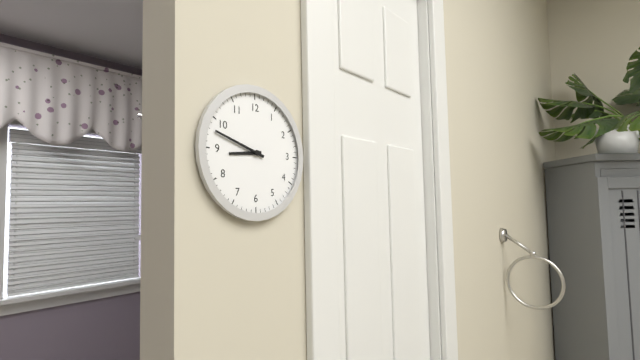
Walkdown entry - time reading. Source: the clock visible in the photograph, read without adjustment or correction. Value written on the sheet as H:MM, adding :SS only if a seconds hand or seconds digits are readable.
8:48
